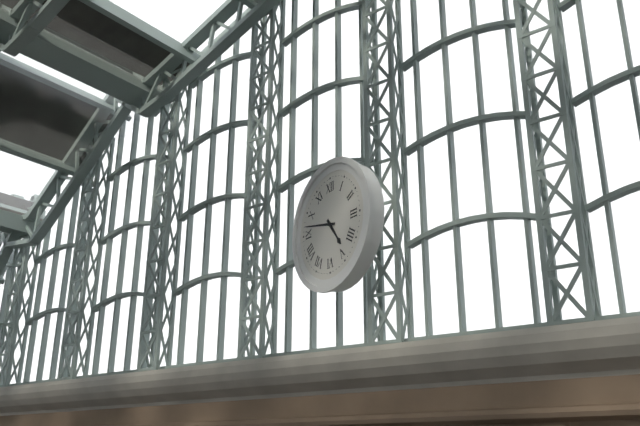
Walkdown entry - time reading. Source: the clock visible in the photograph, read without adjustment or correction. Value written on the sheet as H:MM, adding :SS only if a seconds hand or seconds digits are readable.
4:47
